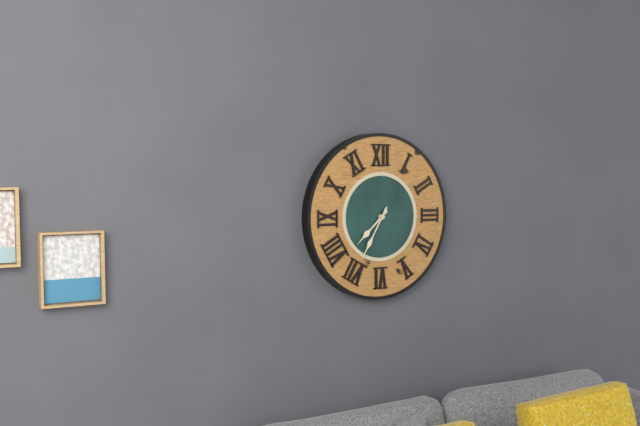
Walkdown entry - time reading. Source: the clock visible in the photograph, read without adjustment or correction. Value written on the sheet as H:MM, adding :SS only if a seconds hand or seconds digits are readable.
7:35
